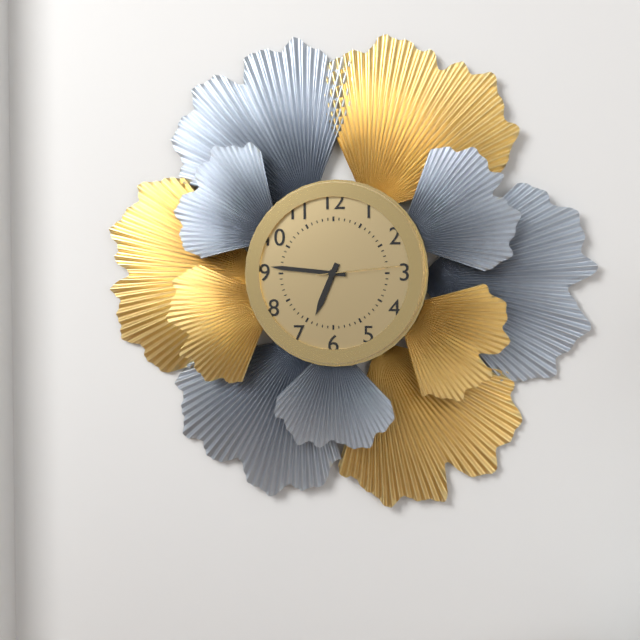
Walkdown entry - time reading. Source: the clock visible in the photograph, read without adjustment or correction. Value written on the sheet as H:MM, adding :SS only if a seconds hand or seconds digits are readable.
6:46:14
